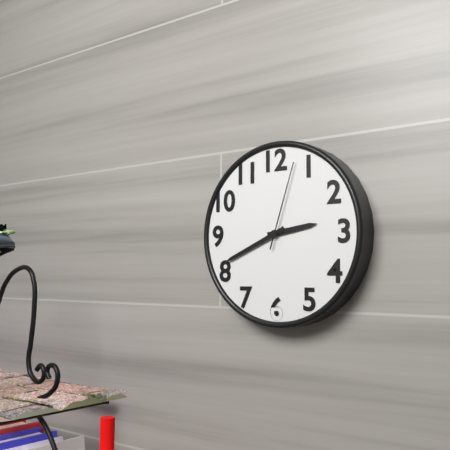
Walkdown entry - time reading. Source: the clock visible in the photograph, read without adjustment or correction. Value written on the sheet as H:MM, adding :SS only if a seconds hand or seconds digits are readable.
2:41:03
